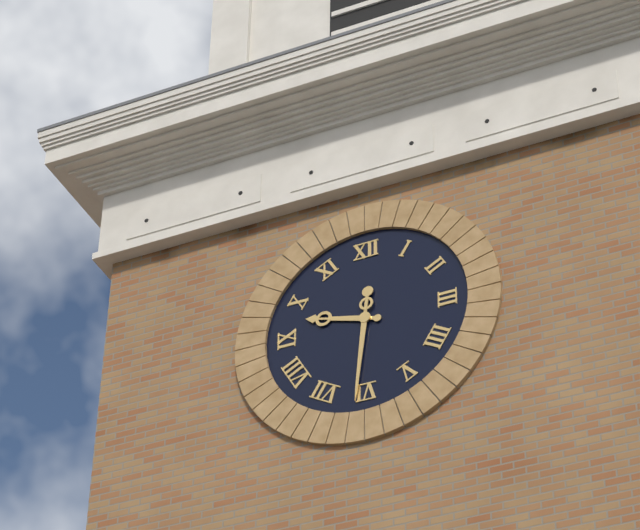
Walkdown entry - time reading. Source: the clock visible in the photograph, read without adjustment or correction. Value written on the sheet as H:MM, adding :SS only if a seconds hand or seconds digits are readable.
9:31
